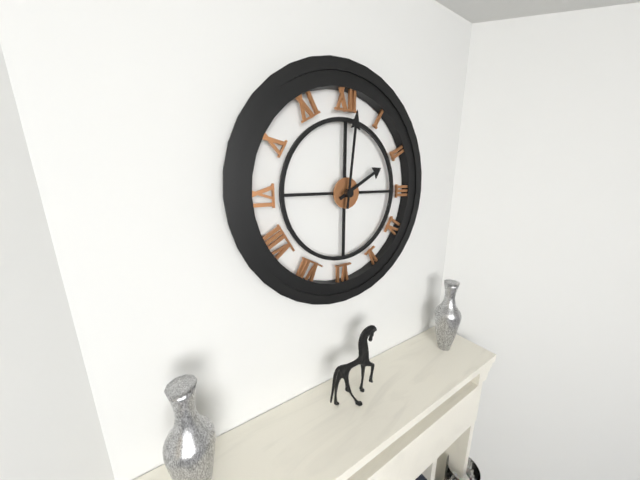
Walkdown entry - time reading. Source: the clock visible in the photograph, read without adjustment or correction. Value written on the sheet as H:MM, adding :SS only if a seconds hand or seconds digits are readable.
2:01
